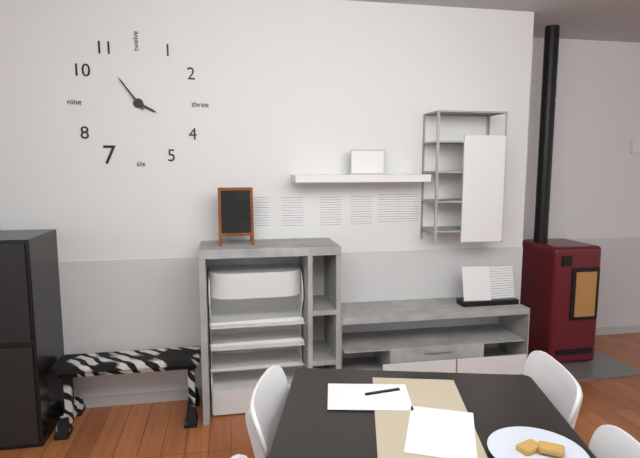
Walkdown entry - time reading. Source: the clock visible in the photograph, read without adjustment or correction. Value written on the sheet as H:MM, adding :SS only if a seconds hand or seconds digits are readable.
3:54
